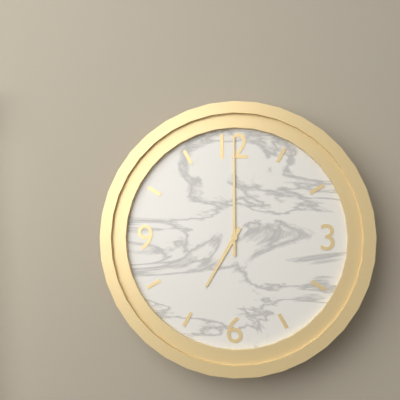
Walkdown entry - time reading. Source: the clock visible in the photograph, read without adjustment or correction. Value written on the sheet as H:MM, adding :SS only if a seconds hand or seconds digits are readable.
7:00
